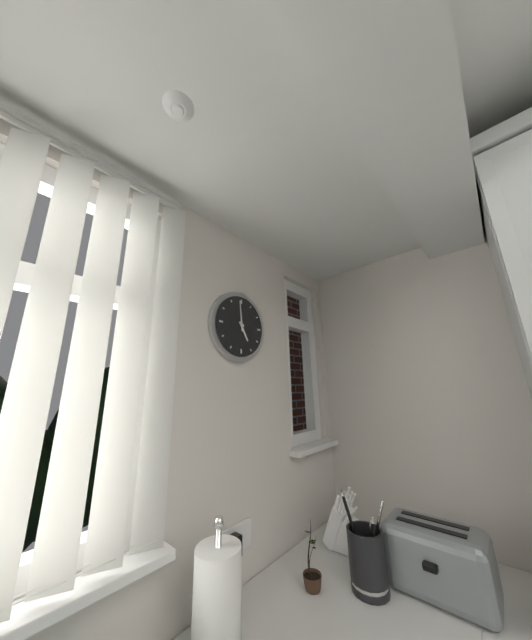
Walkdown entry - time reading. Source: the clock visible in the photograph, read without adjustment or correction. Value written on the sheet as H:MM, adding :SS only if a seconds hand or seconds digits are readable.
4:59
